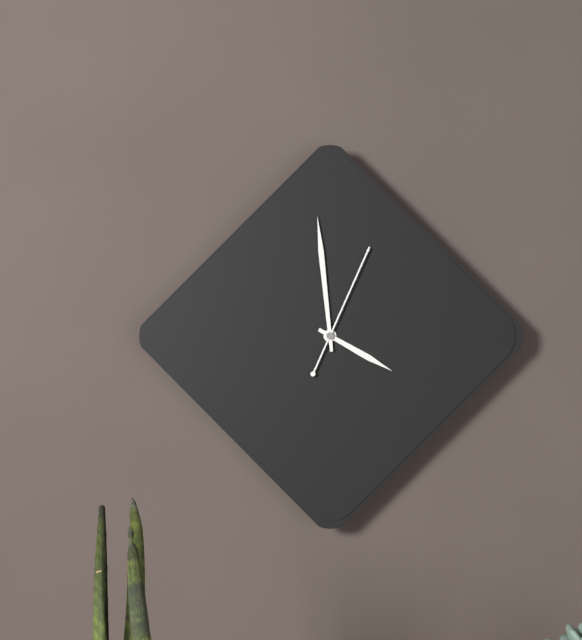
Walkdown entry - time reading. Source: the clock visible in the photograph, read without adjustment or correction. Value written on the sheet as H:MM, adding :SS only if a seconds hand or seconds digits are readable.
3:59:04
